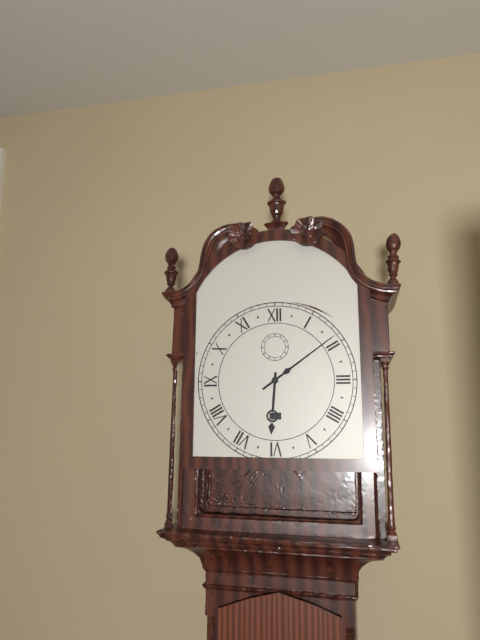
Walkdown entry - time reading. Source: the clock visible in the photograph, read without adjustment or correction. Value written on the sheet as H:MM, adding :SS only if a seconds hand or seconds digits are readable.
6:09
